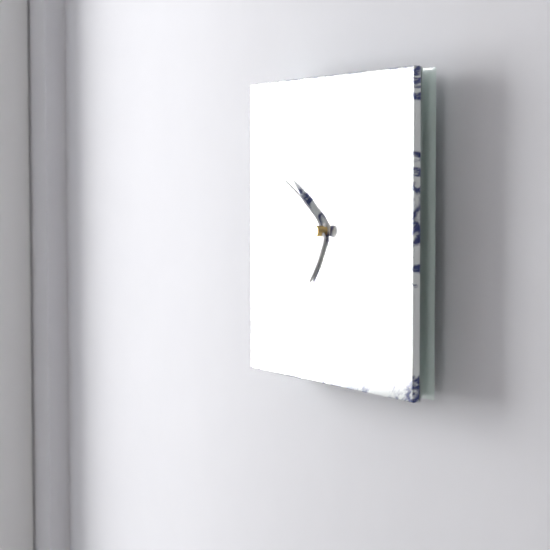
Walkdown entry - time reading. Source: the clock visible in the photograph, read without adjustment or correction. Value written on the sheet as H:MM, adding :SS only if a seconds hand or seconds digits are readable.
6:51
